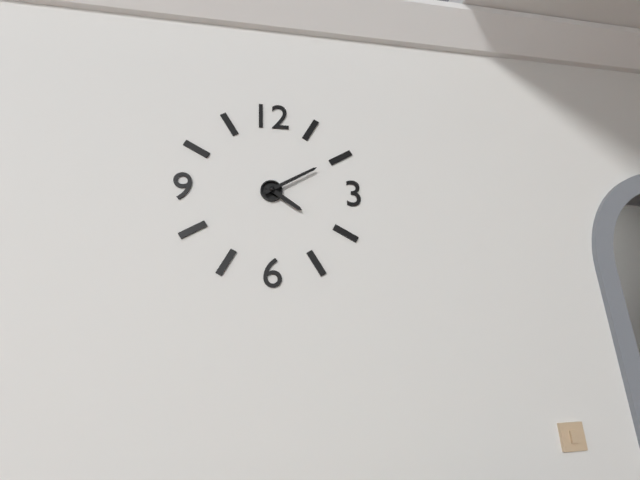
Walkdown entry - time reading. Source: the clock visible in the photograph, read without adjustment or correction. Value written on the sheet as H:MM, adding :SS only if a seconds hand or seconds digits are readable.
4:10
